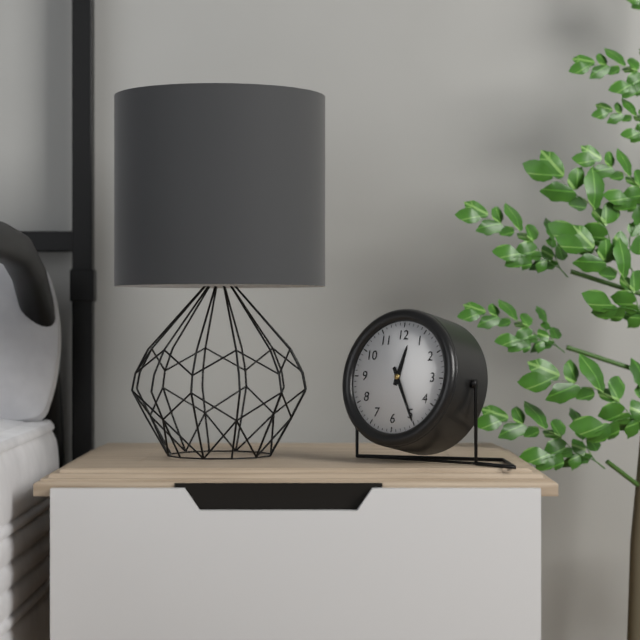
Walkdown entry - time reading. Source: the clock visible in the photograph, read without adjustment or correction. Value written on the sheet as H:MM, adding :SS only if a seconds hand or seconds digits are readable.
12:25
